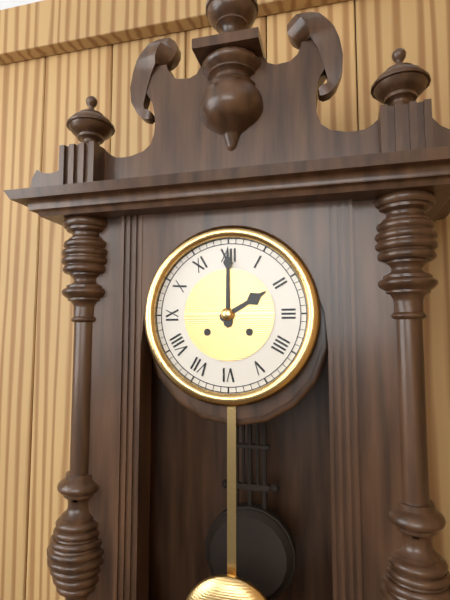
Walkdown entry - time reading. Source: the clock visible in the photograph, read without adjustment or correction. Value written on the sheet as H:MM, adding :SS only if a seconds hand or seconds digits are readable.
2:00
